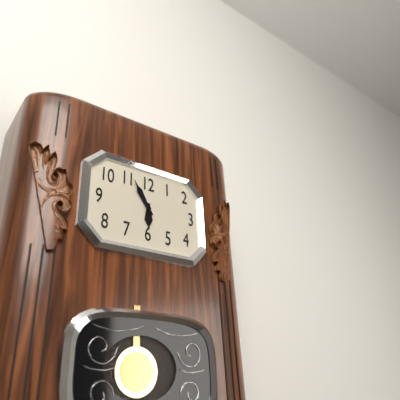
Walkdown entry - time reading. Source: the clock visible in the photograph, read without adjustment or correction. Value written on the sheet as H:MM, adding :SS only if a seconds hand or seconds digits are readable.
5:55
